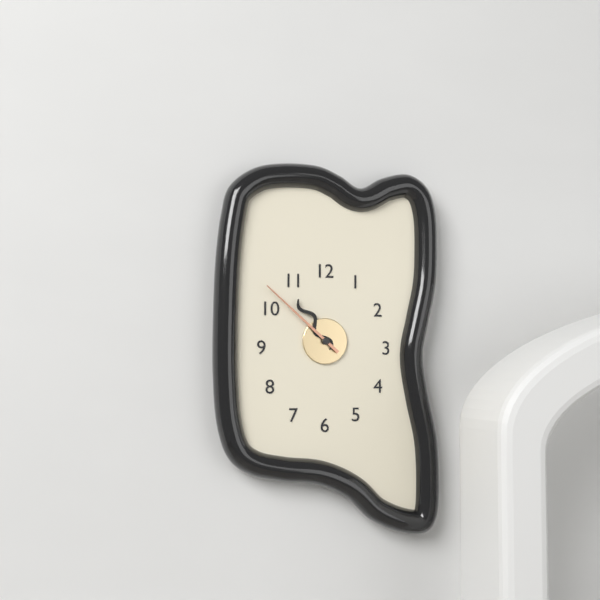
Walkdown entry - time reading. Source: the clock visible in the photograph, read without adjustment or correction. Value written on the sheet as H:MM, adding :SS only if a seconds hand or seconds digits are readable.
10:52
